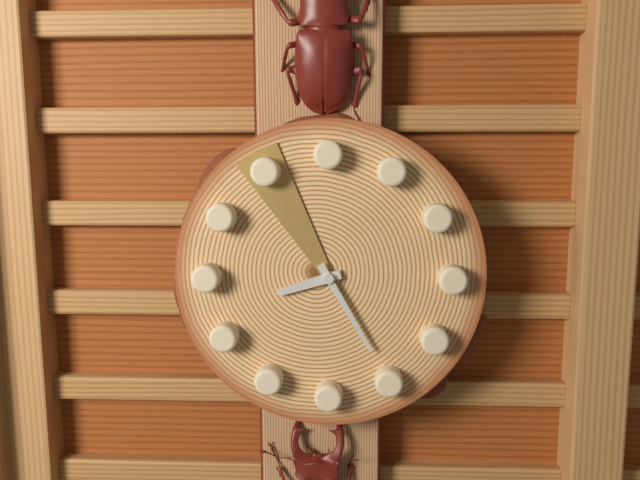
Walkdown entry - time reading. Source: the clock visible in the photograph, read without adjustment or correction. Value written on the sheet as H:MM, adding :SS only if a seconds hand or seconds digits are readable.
8:25:55
